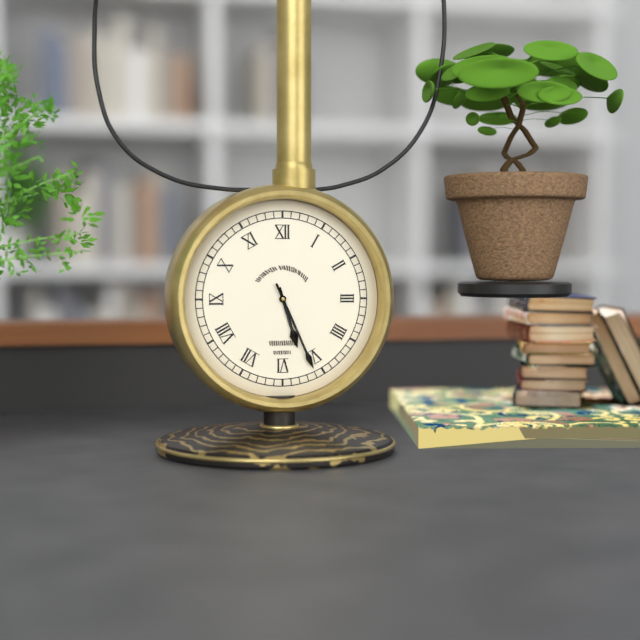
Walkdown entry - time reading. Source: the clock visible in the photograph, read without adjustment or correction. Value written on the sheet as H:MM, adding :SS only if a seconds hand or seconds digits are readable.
5:26
